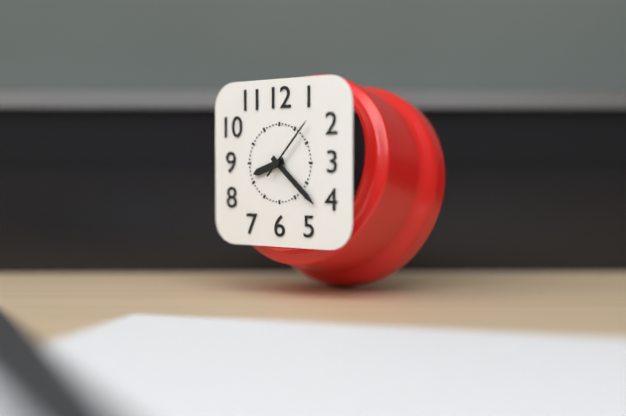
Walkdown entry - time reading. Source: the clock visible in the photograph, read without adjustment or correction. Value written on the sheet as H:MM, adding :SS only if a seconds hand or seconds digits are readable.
8:22:07
